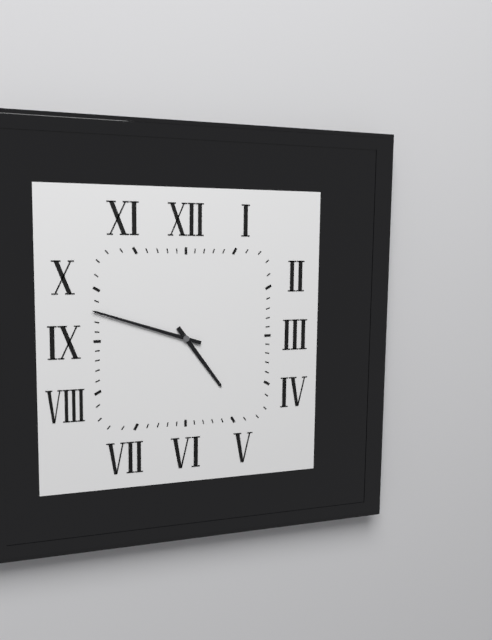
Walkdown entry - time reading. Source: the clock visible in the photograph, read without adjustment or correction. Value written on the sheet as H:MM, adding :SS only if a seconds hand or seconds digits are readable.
4:48
